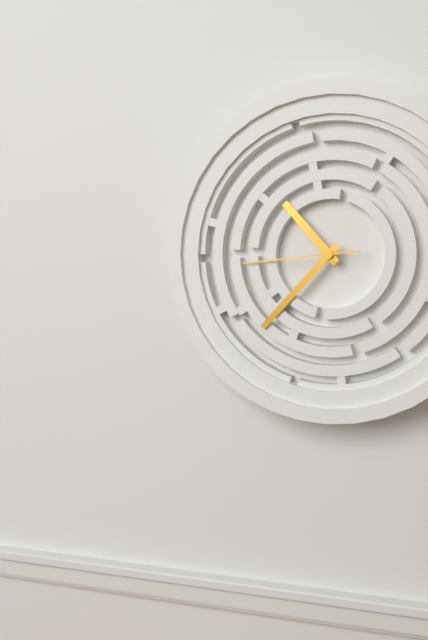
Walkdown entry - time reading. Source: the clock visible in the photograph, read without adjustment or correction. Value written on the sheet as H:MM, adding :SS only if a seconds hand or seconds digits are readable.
10:37:44
